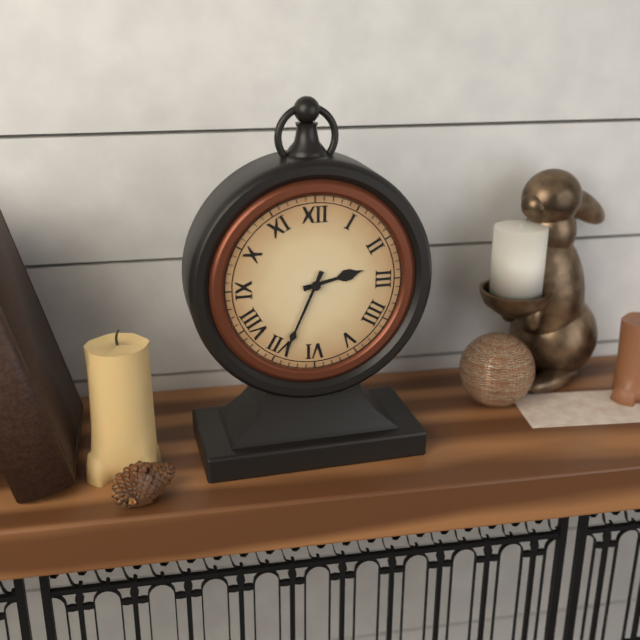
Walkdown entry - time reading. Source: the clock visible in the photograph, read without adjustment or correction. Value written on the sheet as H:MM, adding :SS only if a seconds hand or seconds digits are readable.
2:34
